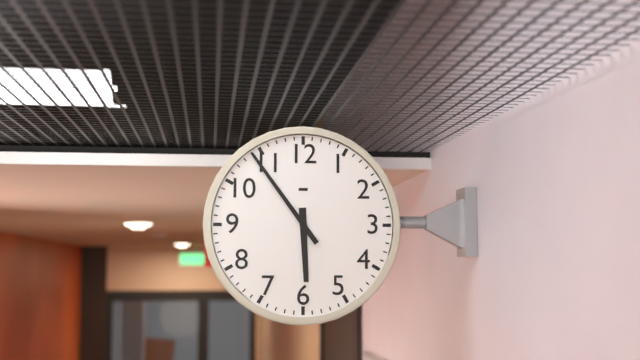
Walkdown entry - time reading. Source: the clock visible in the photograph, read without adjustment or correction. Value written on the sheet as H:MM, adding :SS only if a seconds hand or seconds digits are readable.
5:54
